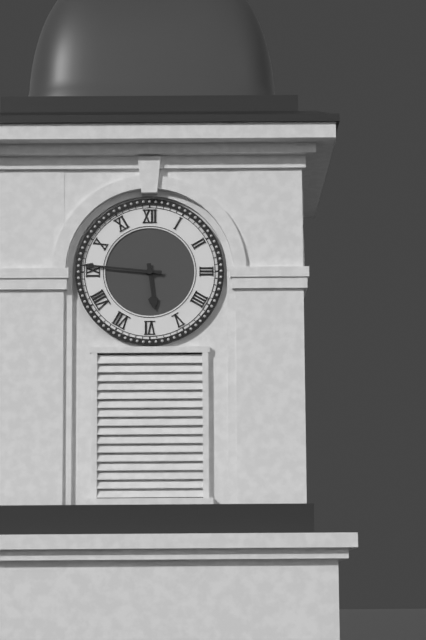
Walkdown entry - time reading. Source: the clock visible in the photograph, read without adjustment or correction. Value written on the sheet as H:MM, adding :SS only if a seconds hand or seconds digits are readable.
5:46
